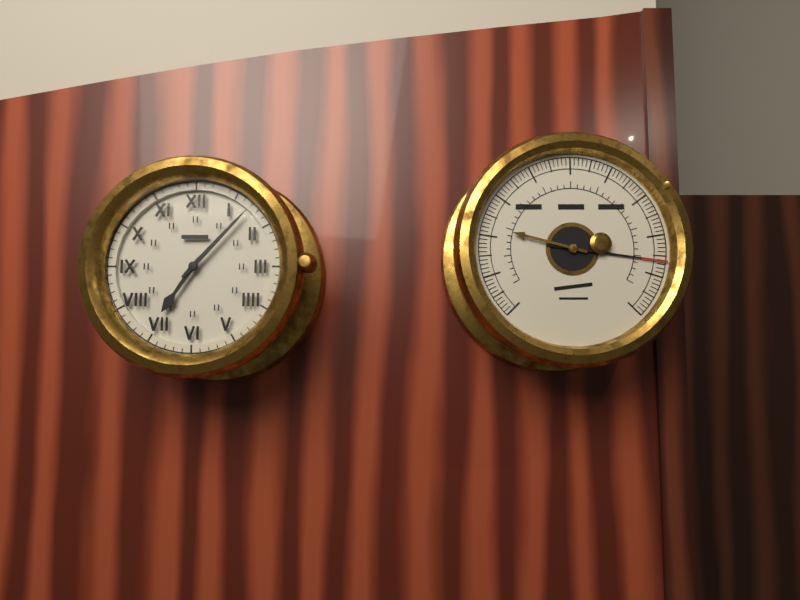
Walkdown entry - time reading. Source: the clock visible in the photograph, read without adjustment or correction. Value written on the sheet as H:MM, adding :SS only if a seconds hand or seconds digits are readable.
7:07
